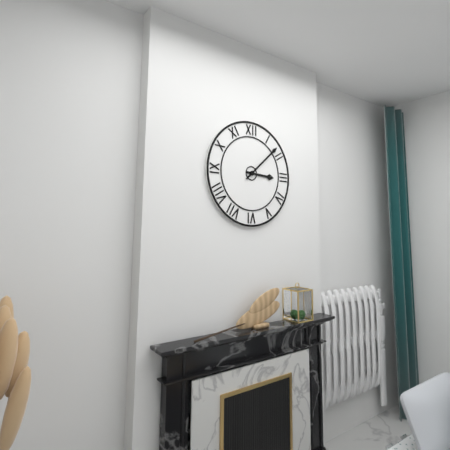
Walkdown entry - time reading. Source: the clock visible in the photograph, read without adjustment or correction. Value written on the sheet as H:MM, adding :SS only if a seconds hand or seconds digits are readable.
3:08
